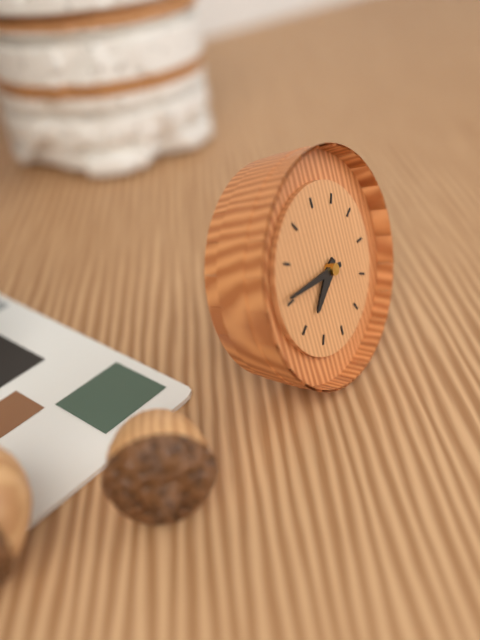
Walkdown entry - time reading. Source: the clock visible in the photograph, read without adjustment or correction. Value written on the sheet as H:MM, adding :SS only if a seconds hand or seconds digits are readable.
7:46
